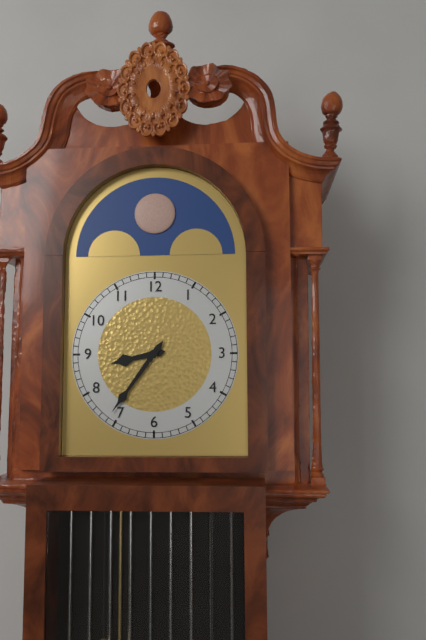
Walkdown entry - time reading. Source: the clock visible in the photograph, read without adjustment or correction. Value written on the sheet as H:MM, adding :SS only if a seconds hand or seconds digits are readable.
8:36
